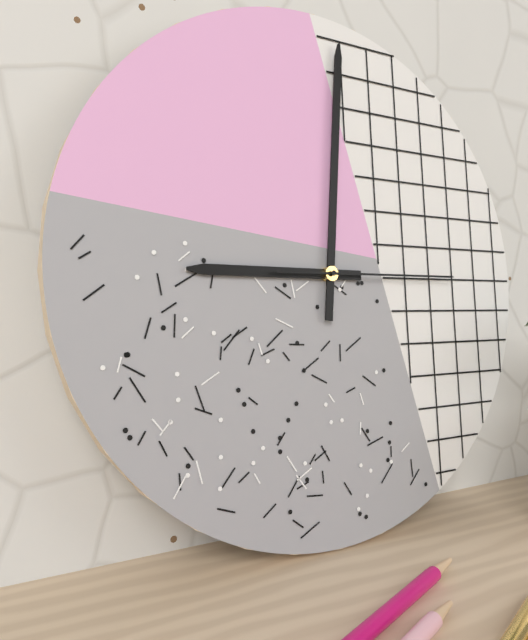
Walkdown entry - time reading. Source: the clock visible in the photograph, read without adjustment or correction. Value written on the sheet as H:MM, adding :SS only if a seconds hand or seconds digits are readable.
9:01:15
